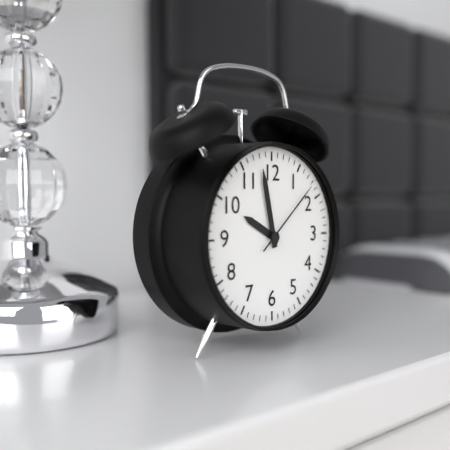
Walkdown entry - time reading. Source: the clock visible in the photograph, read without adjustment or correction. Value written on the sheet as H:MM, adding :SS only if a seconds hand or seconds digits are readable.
9:58:08
